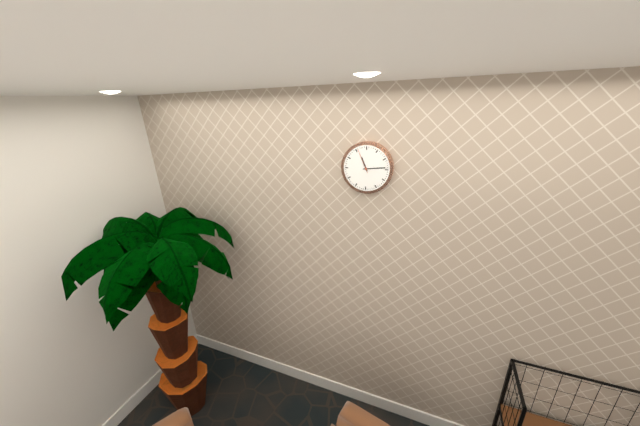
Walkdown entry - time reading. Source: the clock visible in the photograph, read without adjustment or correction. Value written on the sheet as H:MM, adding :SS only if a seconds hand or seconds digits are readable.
11:14
